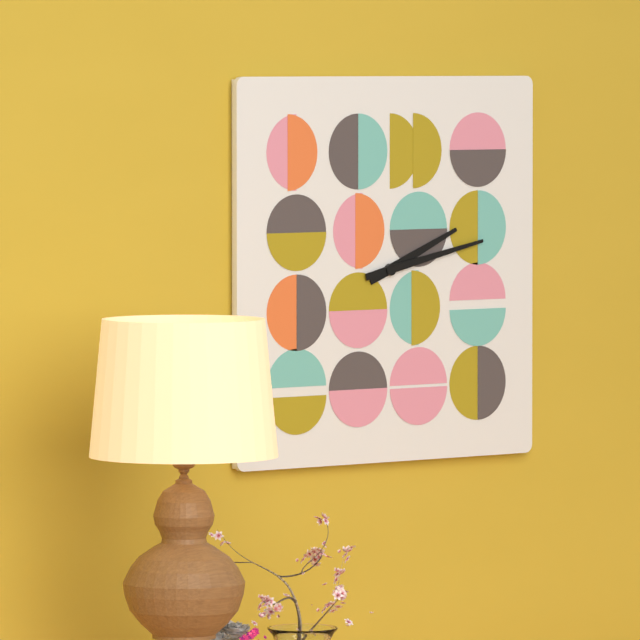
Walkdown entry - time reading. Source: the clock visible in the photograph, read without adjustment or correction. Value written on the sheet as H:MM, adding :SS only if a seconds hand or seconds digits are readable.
2:13
